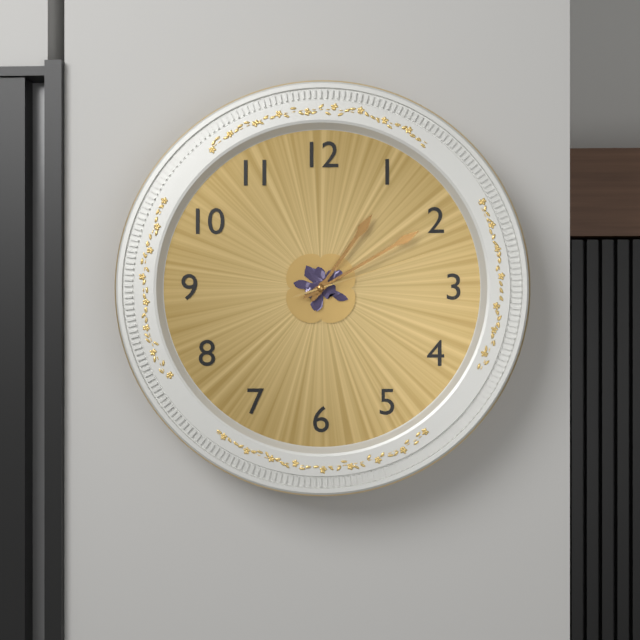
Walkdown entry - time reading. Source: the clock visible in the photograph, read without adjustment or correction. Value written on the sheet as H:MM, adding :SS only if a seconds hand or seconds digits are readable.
1:10:12
